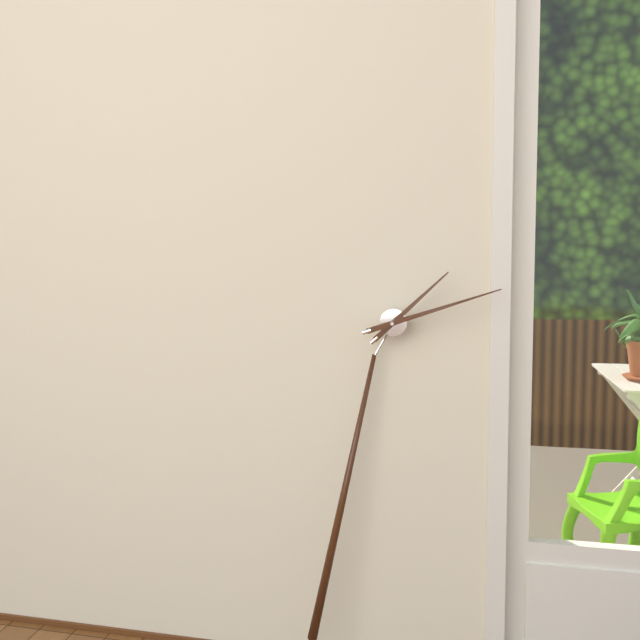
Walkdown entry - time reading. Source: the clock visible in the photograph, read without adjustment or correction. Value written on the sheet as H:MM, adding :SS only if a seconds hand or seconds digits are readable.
1:10
